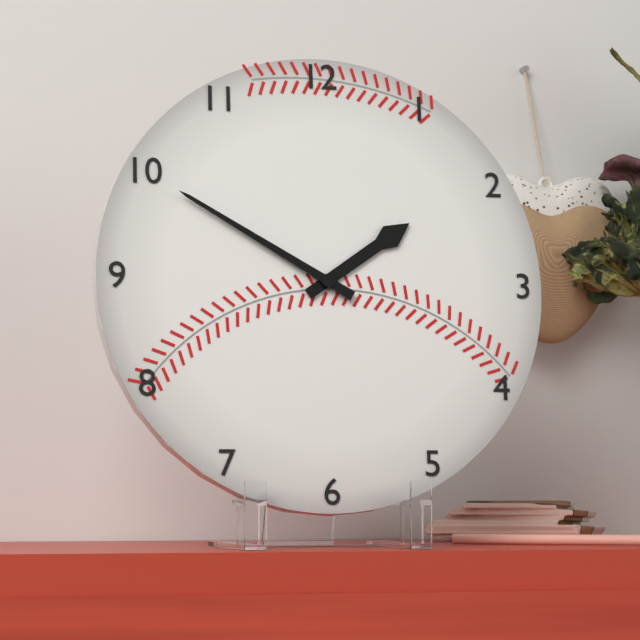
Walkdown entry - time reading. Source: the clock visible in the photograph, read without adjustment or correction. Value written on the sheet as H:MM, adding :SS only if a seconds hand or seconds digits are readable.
1:50
